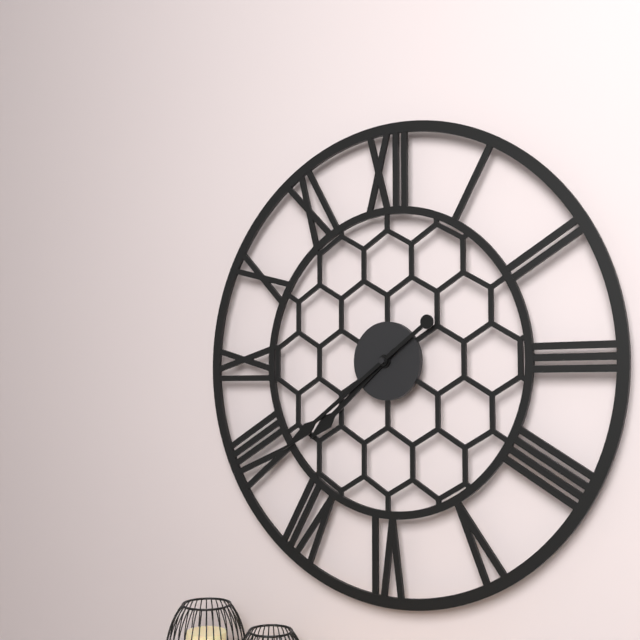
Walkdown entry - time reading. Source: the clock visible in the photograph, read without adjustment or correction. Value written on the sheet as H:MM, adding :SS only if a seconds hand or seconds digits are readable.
7:39
